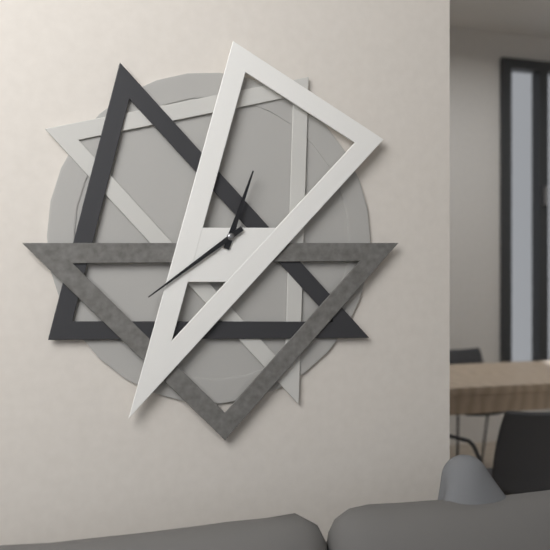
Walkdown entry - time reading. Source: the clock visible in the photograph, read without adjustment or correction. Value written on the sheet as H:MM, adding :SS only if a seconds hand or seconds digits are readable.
12:39
